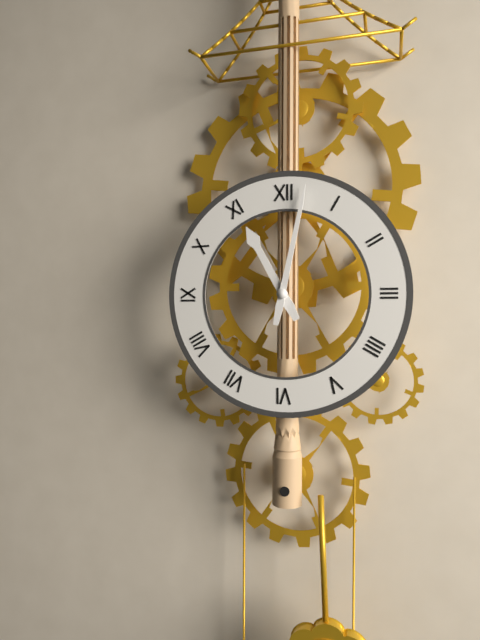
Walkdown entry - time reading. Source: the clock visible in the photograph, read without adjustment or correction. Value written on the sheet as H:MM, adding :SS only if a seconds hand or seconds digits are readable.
11:02
